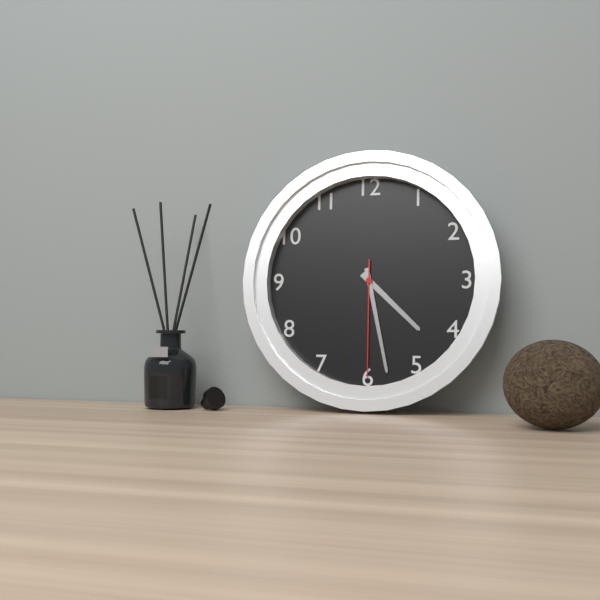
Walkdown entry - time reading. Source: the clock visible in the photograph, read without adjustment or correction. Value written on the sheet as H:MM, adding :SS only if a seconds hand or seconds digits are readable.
4:28:30
